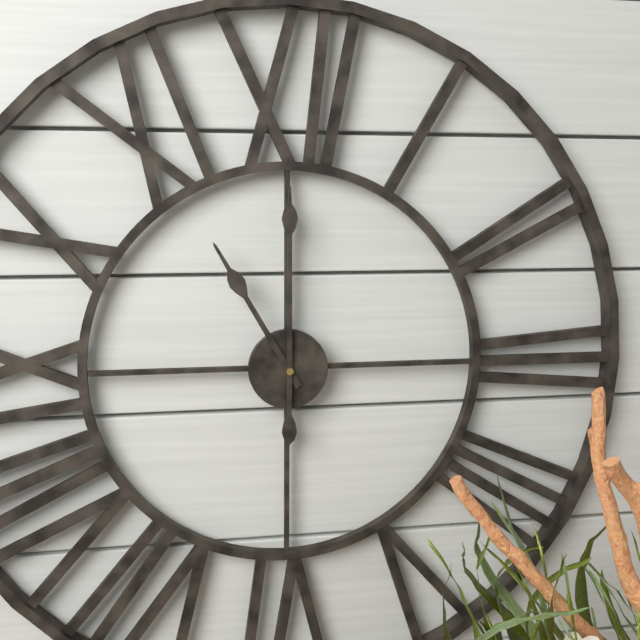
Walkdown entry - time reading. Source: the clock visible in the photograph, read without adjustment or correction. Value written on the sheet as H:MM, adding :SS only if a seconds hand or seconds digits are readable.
11:00
